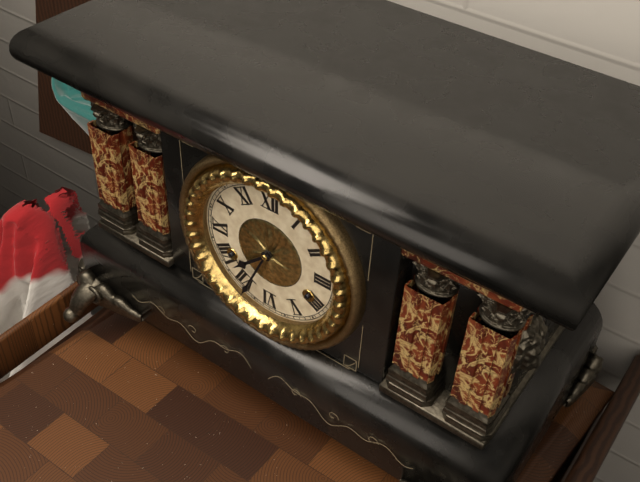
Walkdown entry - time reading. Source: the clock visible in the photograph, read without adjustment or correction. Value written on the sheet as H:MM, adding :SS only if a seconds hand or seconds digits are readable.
7:34
